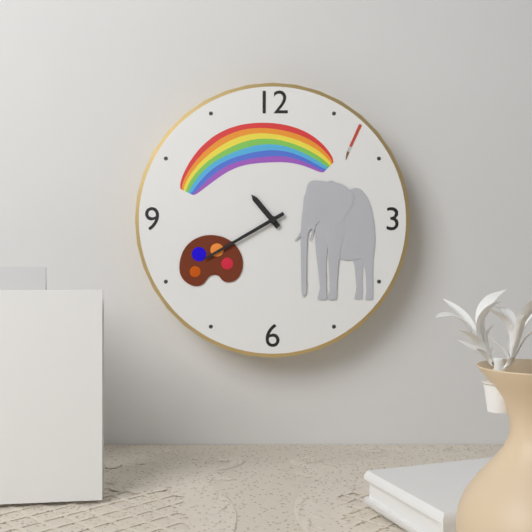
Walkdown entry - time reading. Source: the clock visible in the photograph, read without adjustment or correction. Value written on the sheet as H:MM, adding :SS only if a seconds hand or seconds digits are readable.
10:40
